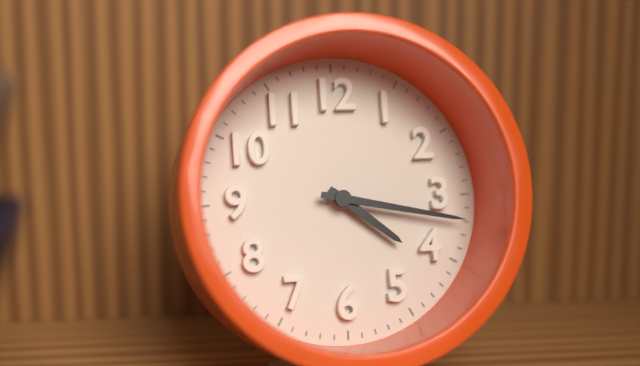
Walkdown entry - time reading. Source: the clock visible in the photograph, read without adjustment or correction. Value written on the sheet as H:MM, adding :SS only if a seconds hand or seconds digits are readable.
4:17
